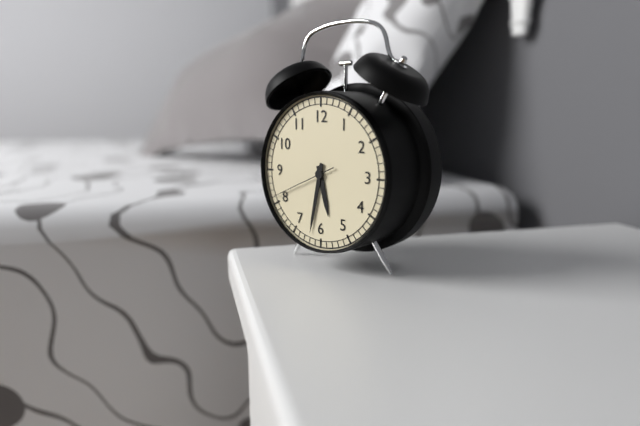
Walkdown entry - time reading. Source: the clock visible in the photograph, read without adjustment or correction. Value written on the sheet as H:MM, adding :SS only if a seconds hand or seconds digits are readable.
5:32:41
